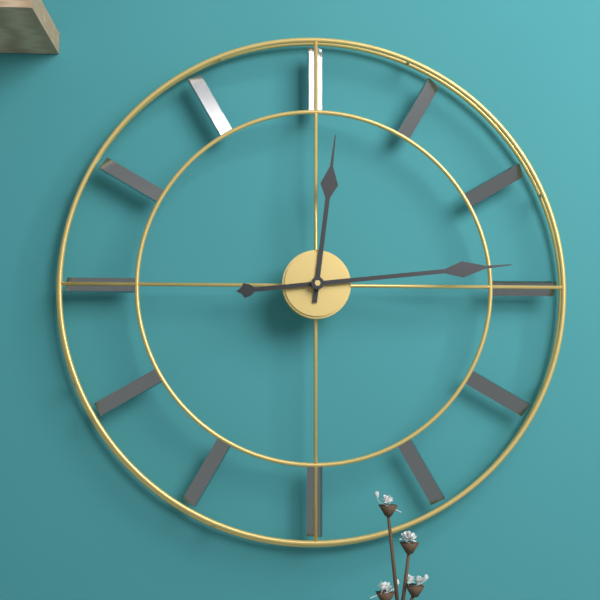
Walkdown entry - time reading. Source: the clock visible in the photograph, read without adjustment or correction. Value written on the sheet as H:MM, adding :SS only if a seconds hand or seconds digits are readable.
12:14
